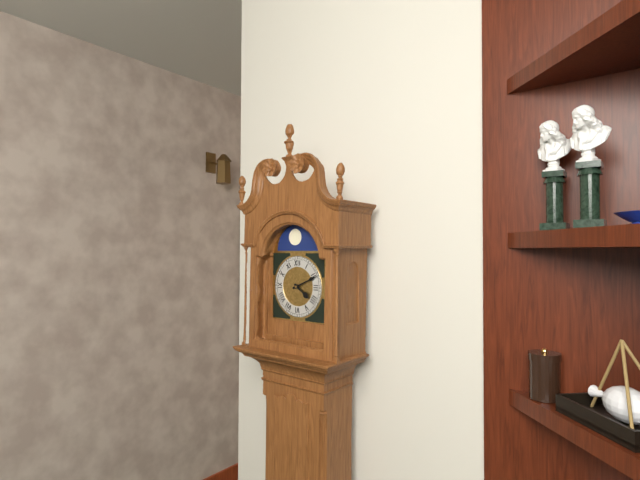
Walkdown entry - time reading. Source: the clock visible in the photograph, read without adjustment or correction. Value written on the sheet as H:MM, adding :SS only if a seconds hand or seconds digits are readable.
4:11
